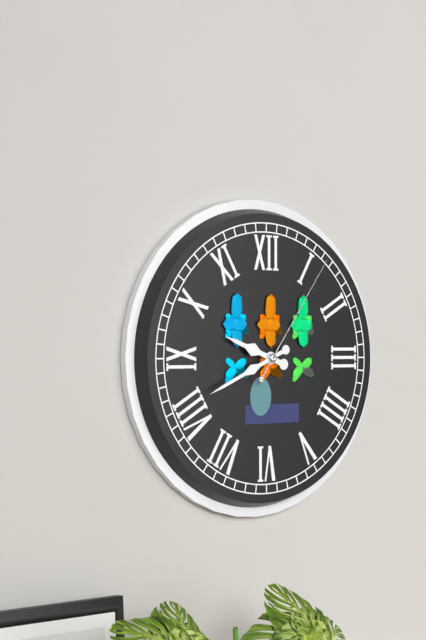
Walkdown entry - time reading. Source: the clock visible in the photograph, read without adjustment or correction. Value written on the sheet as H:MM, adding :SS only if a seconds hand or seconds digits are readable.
9:41:06
